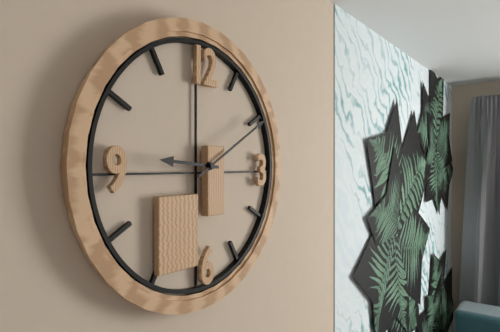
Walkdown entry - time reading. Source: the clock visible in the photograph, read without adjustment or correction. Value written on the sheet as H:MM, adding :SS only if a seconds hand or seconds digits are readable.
9:10
